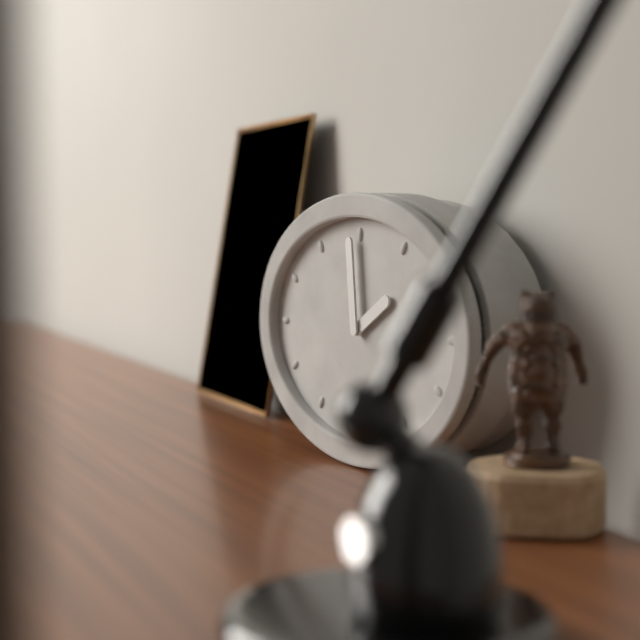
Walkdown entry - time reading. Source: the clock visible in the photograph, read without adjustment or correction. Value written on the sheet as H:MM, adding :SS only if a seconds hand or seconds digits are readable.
1:59
